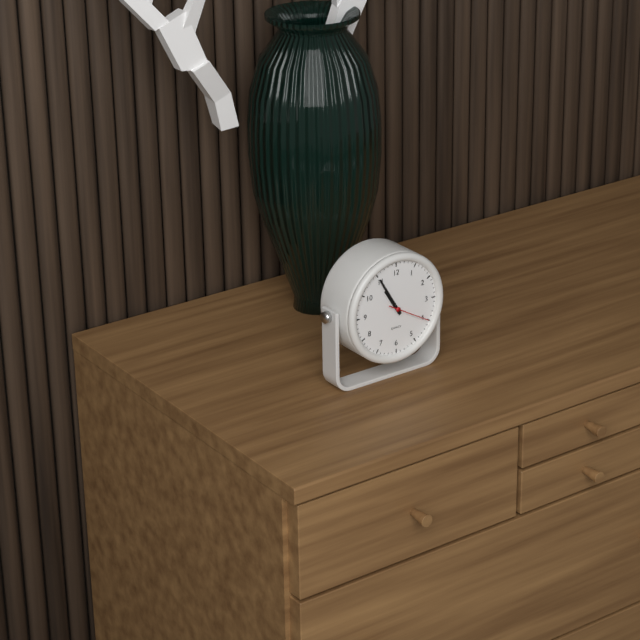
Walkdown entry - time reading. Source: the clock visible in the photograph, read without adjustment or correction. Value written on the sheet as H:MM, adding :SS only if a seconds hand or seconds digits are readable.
10:55
